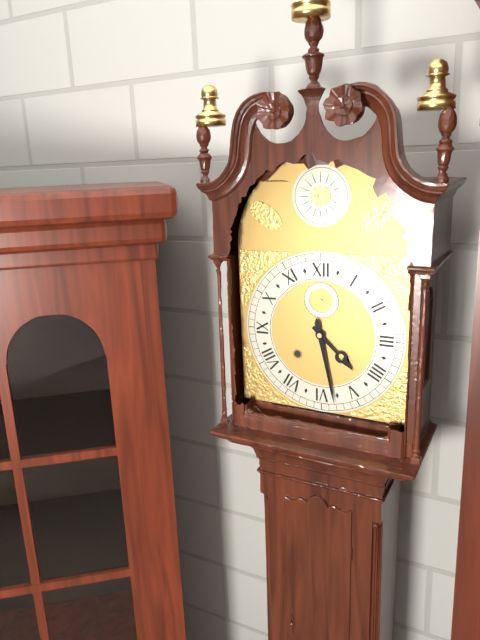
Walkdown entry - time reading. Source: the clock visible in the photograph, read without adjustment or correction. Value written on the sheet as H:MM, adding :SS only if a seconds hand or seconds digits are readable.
4:28
